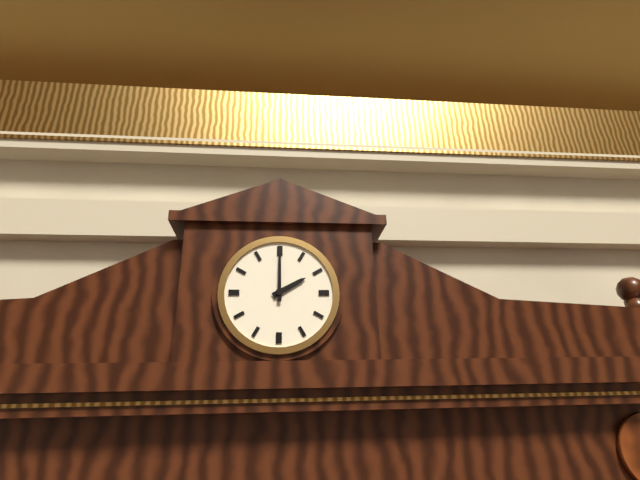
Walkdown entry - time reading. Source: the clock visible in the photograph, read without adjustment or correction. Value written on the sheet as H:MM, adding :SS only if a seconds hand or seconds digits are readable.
2:00
